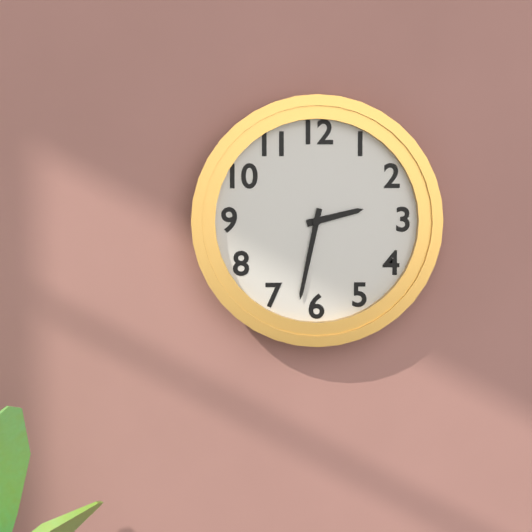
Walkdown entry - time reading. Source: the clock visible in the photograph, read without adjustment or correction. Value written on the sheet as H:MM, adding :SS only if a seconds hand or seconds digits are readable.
2:32
